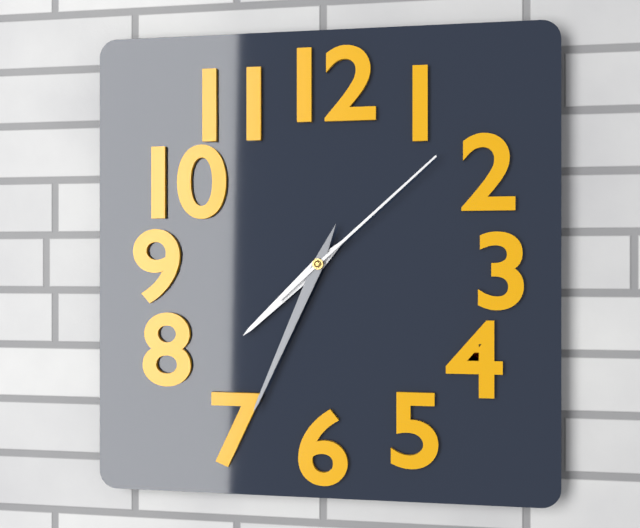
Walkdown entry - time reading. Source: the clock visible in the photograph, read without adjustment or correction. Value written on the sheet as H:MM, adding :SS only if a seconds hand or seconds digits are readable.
7:34:08
